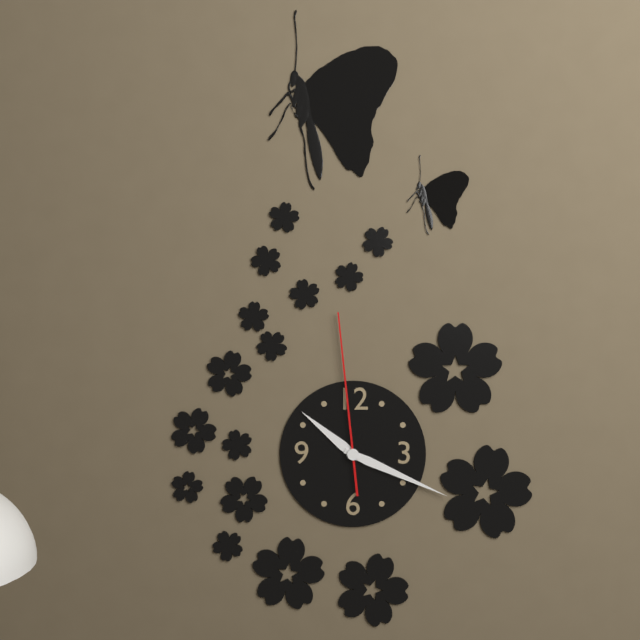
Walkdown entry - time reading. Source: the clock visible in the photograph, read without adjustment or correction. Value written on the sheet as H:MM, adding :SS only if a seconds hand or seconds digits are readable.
10:19:59
